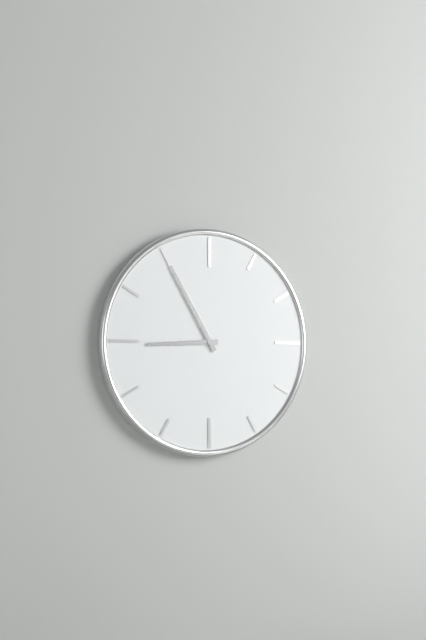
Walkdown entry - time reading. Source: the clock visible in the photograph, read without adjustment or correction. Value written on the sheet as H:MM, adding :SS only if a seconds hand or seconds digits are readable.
8:55
